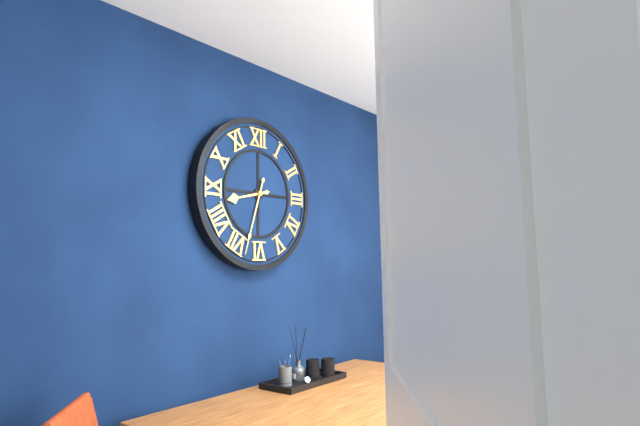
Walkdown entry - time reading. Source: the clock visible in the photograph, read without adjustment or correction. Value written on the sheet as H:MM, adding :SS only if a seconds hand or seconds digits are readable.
8:33
